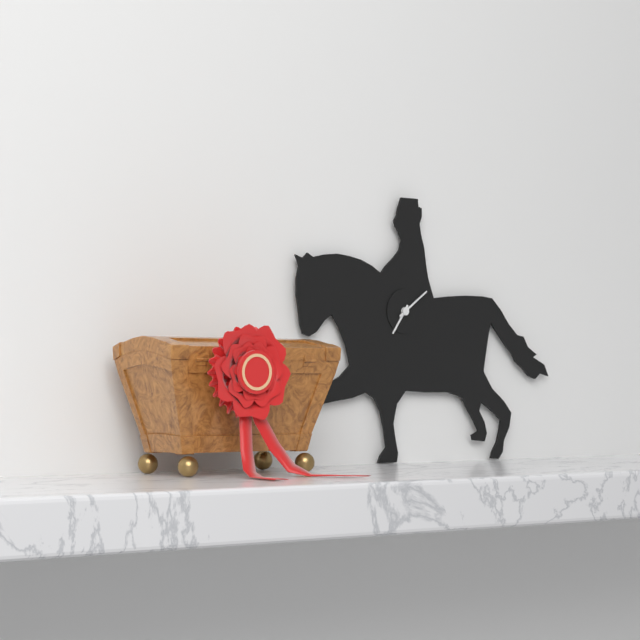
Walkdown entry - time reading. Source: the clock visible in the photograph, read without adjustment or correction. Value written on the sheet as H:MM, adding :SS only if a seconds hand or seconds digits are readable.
7:09
